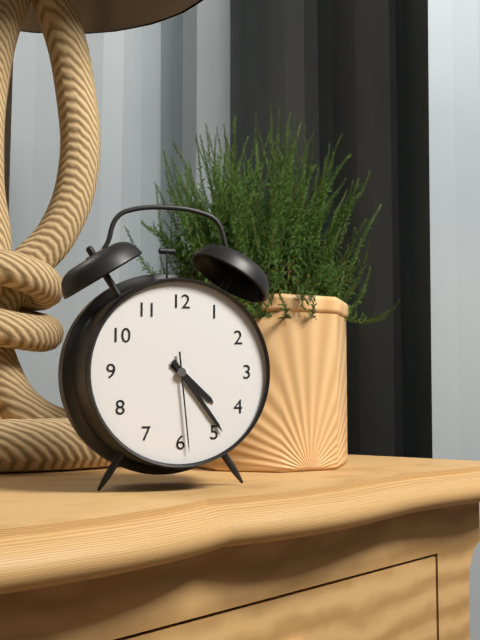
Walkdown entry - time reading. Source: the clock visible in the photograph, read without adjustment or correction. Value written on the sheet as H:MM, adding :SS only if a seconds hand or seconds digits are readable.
4:24:29
